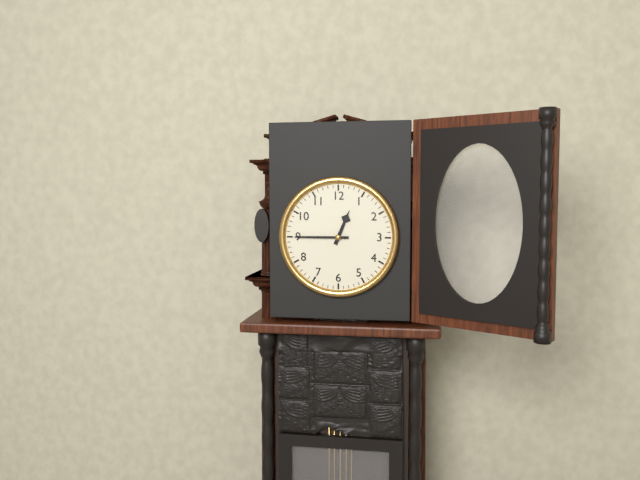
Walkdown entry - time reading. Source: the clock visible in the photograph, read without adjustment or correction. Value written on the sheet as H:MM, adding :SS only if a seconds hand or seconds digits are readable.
12:45
